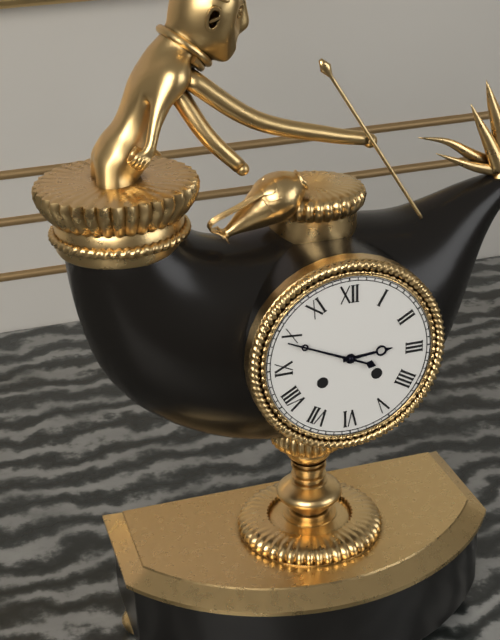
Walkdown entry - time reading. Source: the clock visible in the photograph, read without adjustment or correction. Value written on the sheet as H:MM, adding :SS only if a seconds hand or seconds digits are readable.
2:49
